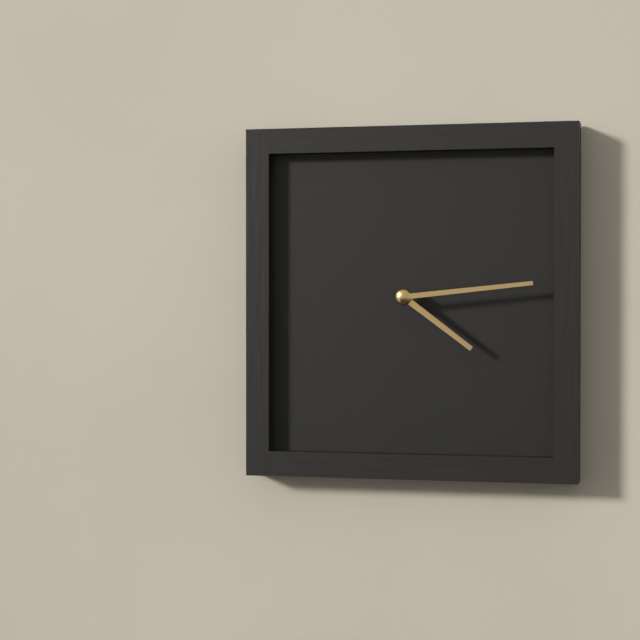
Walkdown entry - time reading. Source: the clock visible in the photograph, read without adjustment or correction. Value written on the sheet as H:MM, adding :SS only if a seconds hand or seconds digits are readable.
4:14
